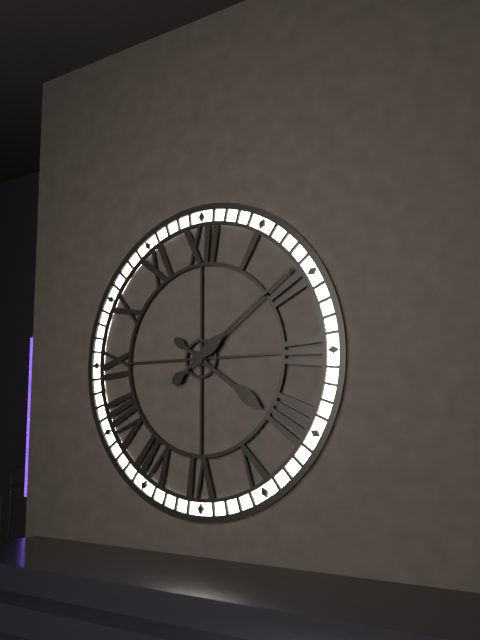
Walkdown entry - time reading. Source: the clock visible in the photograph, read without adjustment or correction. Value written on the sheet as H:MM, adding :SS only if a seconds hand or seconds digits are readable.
4:09
